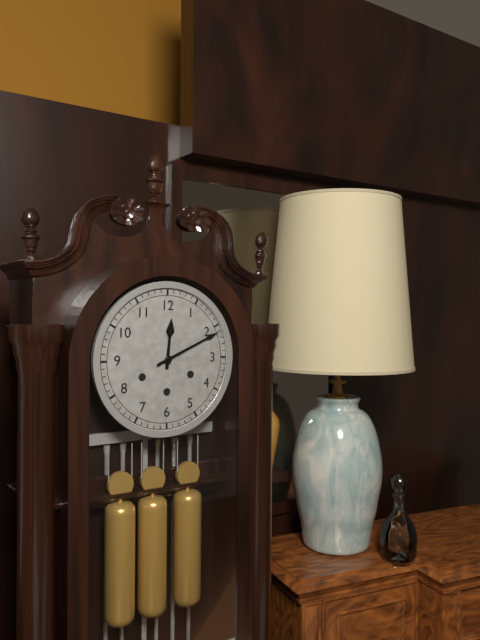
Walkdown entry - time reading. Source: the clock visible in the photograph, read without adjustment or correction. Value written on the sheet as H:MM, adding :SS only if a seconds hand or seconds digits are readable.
12:11
